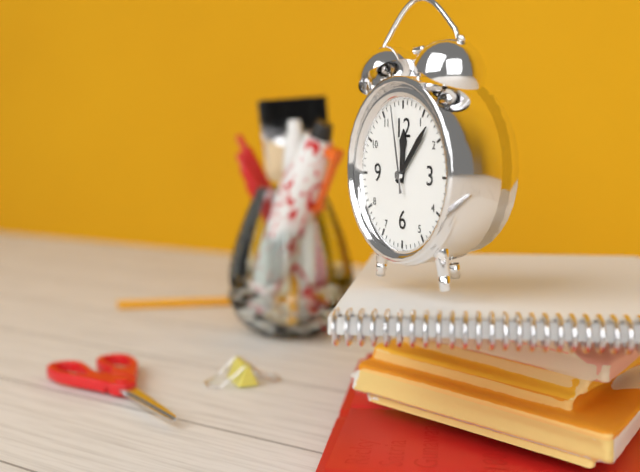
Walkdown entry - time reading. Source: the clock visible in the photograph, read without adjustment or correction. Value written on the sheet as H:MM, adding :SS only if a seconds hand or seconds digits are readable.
12:07:58
